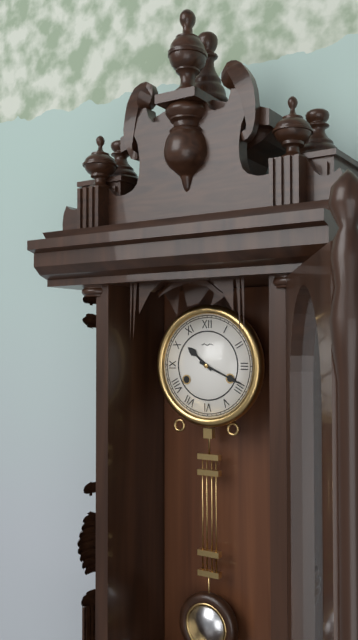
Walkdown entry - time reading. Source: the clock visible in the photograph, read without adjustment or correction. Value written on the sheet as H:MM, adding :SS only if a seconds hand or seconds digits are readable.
10:19
